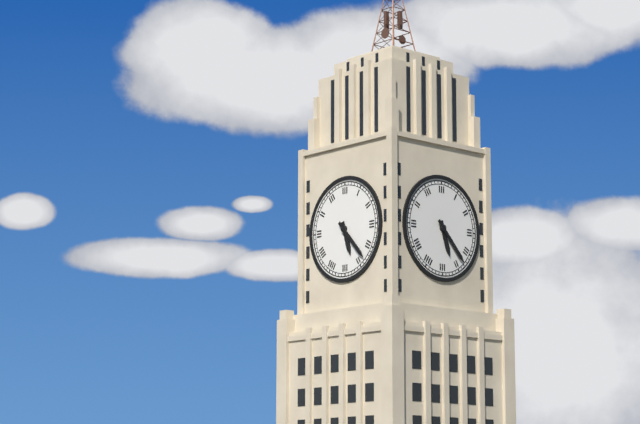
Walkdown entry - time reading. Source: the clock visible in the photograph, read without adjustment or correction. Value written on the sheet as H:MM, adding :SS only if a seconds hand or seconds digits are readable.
5:23
